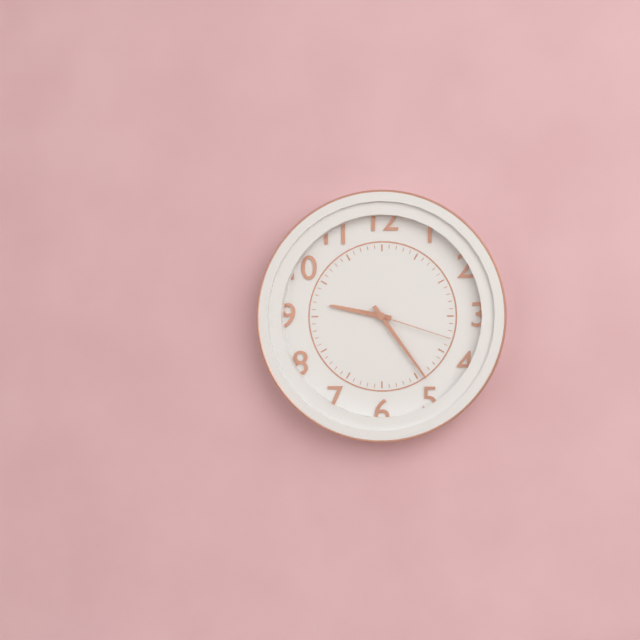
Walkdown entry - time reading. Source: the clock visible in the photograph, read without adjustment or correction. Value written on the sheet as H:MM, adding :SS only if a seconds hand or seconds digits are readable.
9:24:18
